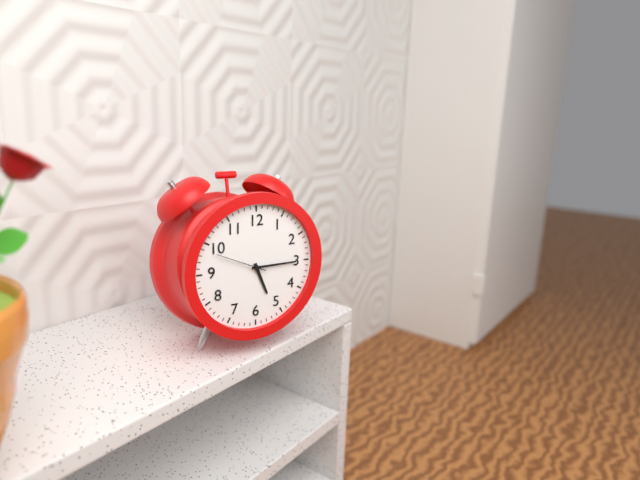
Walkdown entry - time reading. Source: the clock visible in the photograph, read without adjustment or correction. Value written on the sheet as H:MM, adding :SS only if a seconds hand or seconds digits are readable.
5:15:49
